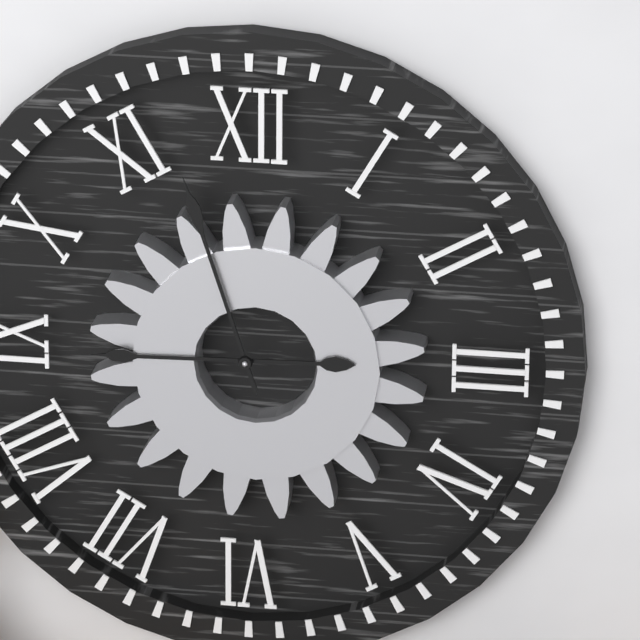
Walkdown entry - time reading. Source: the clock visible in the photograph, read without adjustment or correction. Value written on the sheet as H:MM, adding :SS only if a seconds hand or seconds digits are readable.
8:57
